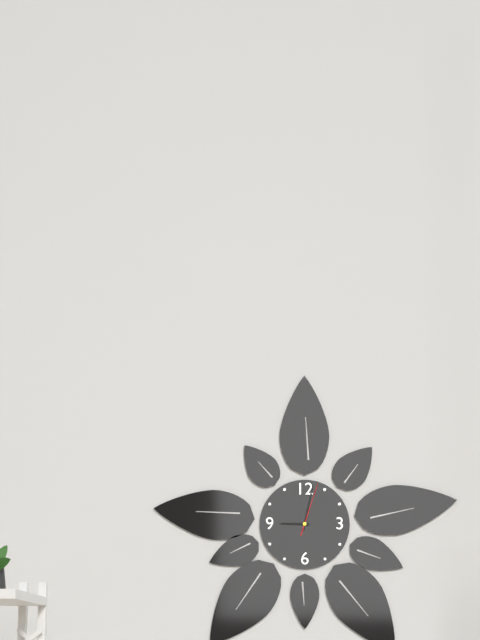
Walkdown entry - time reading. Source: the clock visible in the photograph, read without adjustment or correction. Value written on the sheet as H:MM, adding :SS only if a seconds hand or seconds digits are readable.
9:02:03
